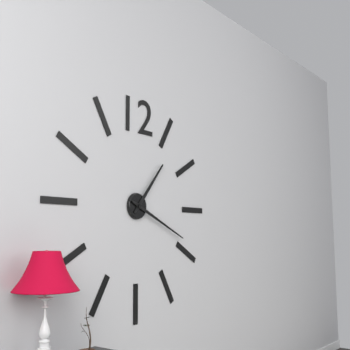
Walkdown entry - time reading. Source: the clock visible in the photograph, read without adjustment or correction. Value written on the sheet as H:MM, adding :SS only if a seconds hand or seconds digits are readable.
1:19
